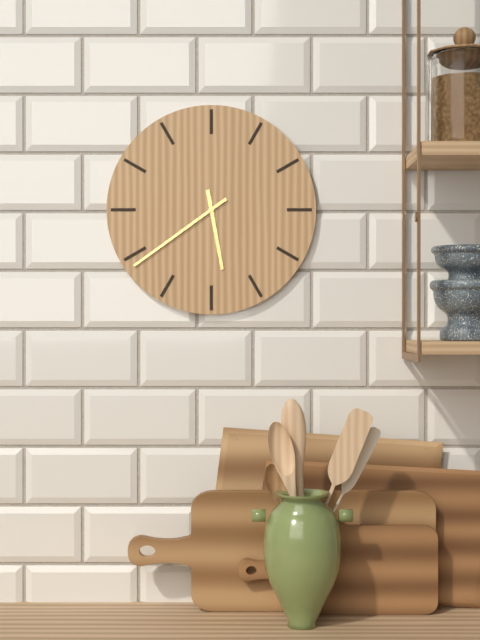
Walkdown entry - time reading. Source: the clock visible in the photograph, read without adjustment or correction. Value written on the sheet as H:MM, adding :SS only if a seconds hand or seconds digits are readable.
5:39
